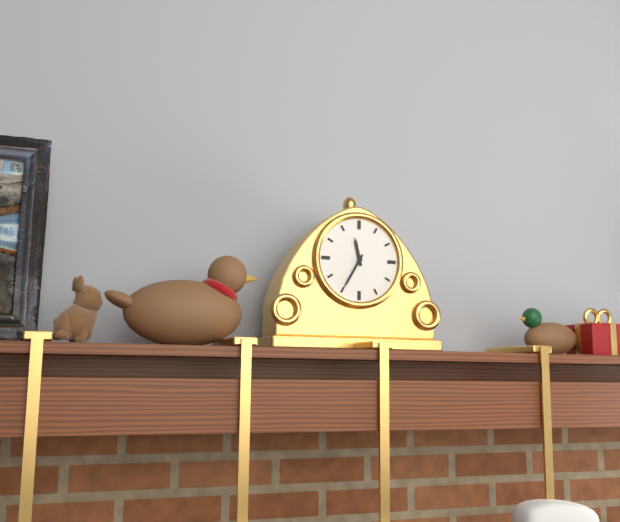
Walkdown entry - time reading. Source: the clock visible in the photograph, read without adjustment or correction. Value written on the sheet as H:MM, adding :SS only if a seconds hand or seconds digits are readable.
11:35
